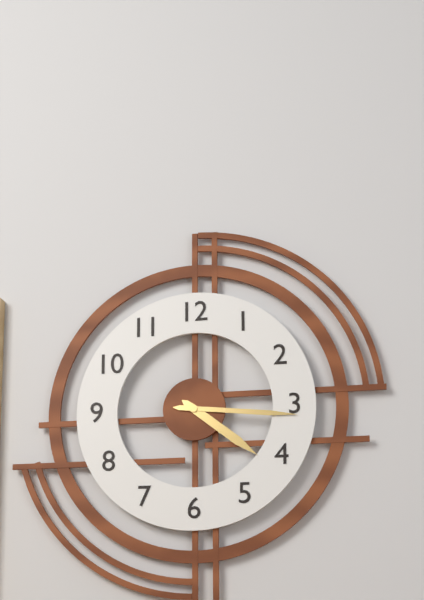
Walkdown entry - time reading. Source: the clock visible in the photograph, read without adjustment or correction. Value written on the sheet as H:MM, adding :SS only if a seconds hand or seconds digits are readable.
4:16
